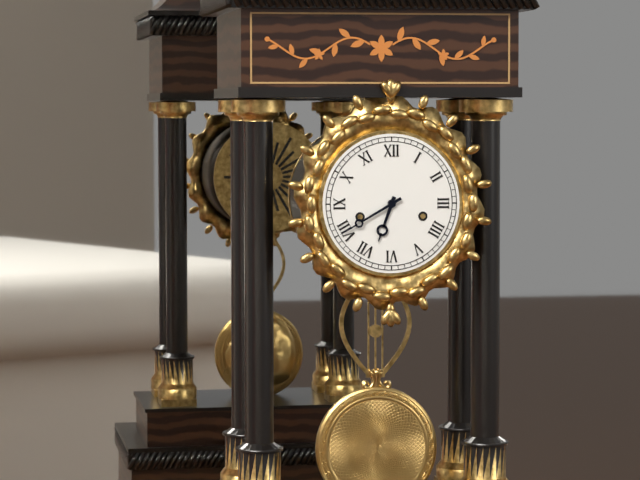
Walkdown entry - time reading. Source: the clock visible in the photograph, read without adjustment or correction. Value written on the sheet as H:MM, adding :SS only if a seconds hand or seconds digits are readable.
6:40
